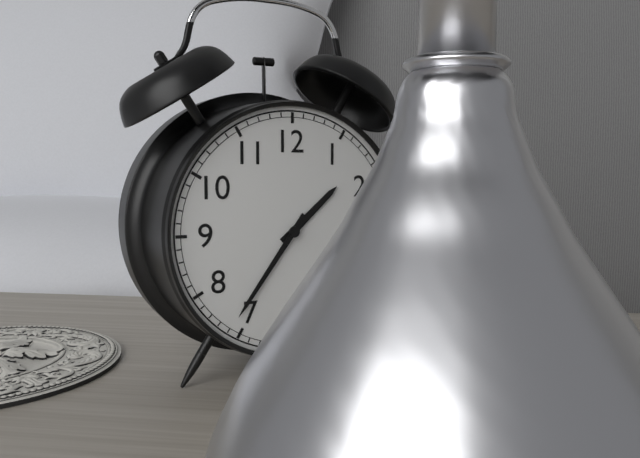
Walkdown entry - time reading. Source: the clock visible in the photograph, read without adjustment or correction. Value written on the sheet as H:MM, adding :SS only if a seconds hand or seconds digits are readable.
1:36
